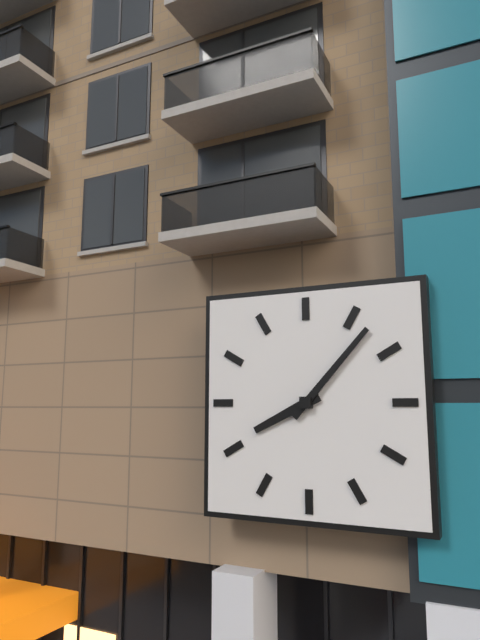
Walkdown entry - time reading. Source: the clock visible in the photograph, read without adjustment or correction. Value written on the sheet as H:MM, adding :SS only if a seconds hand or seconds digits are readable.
8:07
